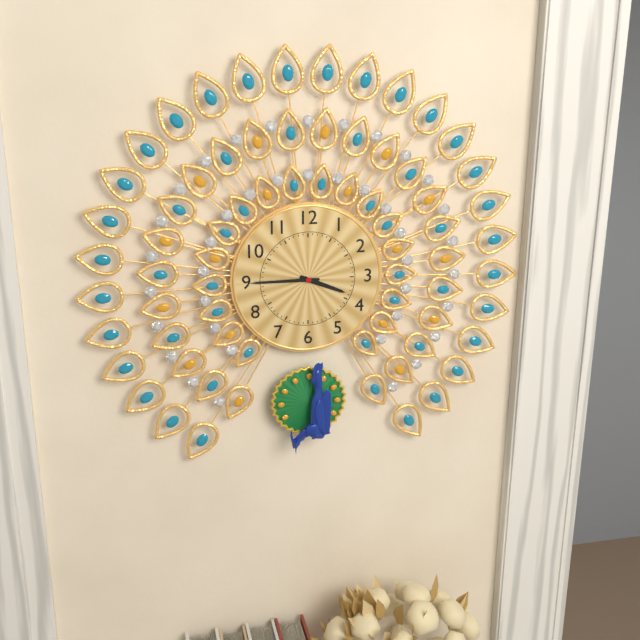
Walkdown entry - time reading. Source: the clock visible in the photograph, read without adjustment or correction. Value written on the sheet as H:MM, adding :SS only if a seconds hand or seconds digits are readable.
3:45
